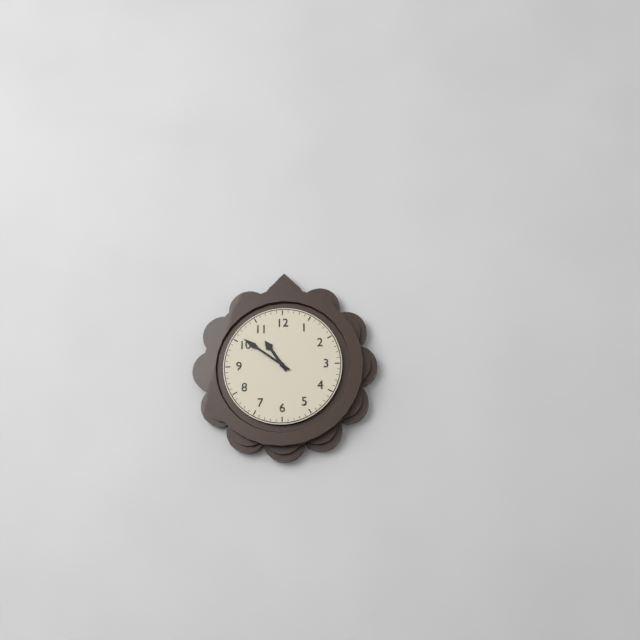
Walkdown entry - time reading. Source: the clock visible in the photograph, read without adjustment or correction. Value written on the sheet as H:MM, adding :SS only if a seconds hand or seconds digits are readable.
10:51
